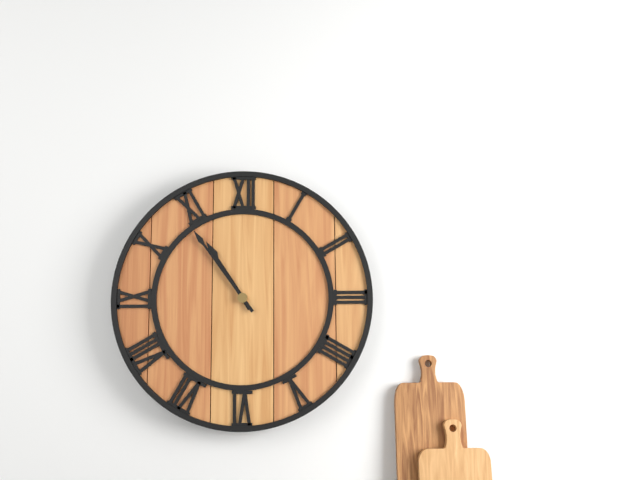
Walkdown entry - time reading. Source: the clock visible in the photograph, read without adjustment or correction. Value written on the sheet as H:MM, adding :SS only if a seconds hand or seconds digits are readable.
10:54
